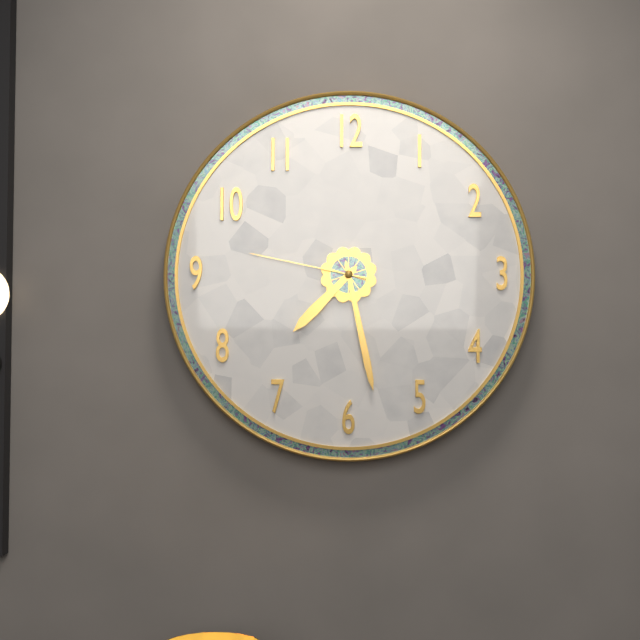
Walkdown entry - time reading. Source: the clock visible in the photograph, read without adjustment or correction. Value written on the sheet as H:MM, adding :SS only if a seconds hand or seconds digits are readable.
7:28:47
